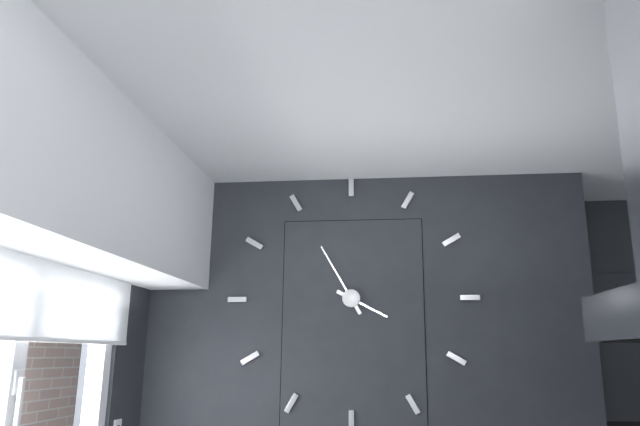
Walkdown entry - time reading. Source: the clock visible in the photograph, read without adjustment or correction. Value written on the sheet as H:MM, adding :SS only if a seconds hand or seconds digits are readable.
3:55
